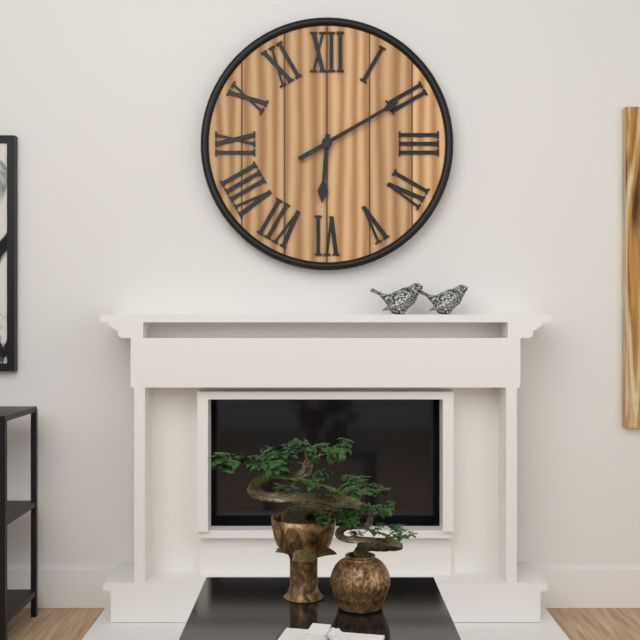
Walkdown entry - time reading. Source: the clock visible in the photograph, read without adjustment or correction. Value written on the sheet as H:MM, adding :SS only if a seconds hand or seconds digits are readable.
6:10
